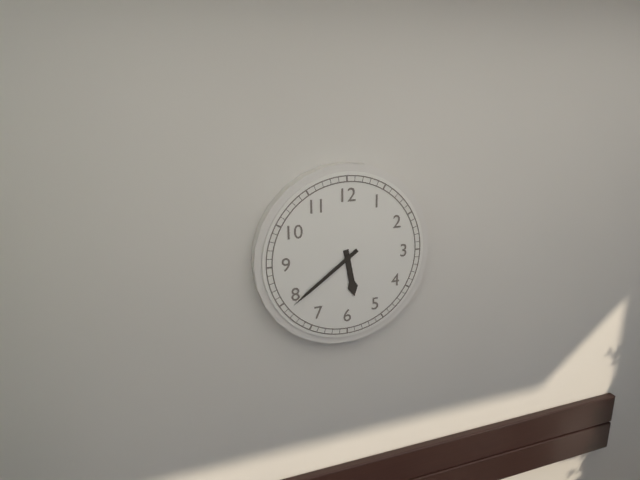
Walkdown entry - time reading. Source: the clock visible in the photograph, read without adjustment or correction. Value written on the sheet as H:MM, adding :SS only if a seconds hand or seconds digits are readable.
5:39
